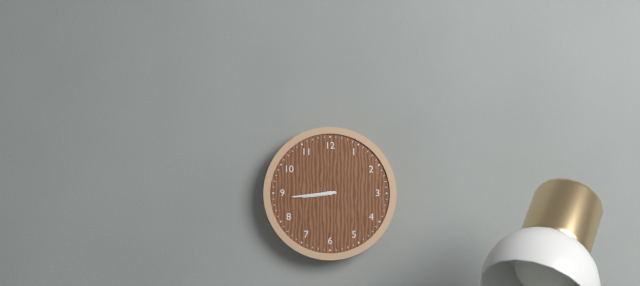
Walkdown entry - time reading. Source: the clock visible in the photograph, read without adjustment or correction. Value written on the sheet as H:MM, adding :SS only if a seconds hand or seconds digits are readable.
8:44
